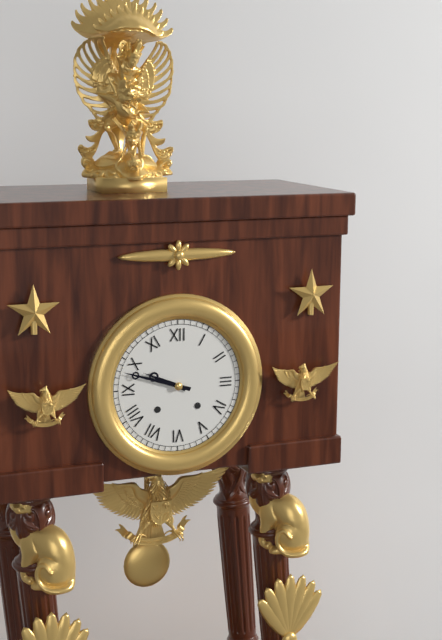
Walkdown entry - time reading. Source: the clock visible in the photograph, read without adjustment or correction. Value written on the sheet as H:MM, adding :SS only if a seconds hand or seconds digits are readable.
9:48
